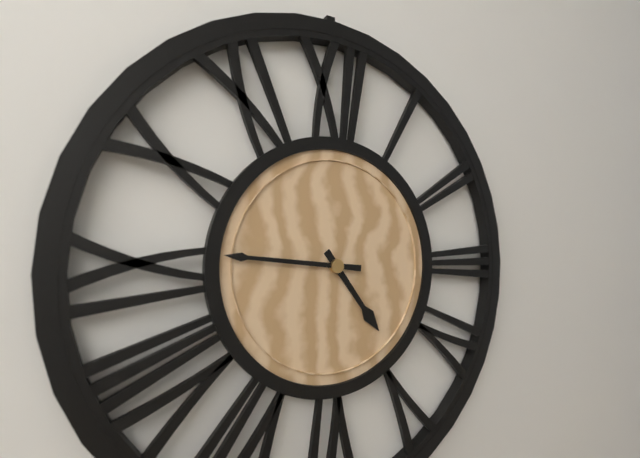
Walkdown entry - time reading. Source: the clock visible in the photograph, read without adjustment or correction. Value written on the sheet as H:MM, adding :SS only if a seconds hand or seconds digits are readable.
4:46
